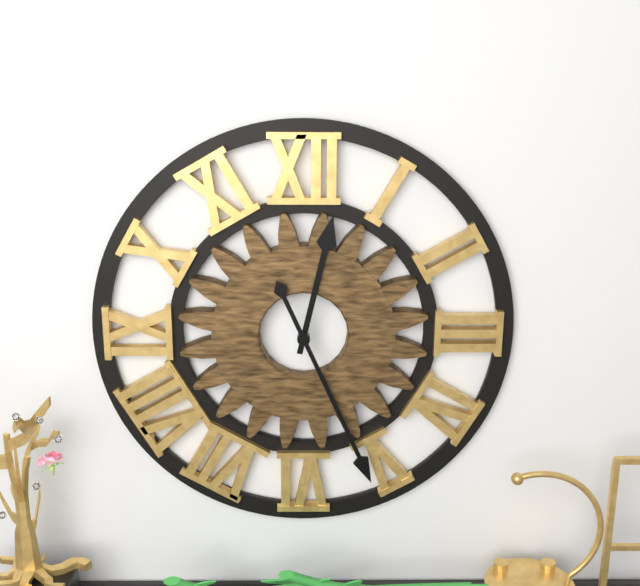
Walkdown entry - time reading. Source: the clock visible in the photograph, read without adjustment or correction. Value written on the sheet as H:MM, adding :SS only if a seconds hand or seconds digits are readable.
12:26
